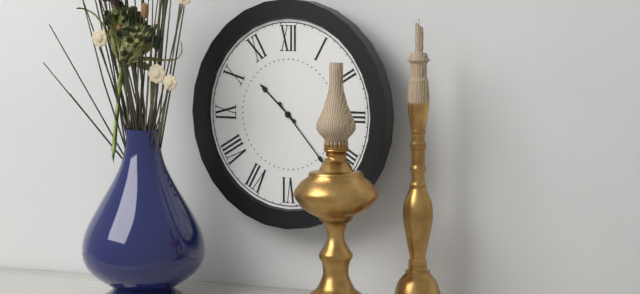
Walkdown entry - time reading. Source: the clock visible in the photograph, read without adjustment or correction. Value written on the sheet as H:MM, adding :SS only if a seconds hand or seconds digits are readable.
10:23
